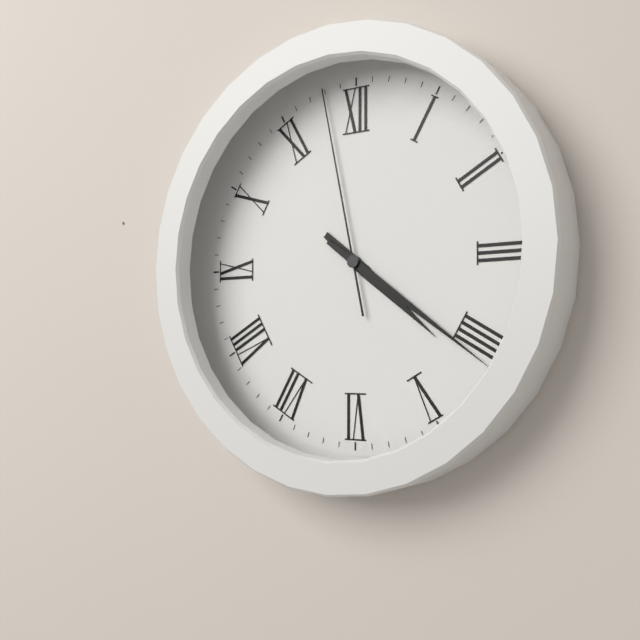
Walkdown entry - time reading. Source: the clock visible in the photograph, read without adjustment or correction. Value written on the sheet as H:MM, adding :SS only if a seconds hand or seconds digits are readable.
4:21:58
